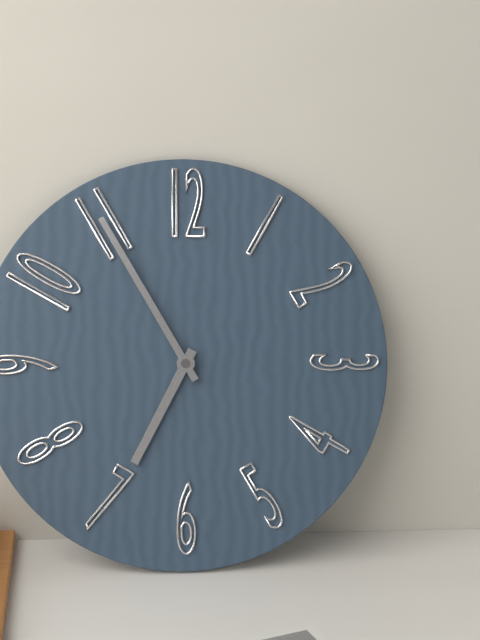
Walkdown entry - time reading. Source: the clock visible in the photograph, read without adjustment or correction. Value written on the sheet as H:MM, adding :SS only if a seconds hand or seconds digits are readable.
6:55
